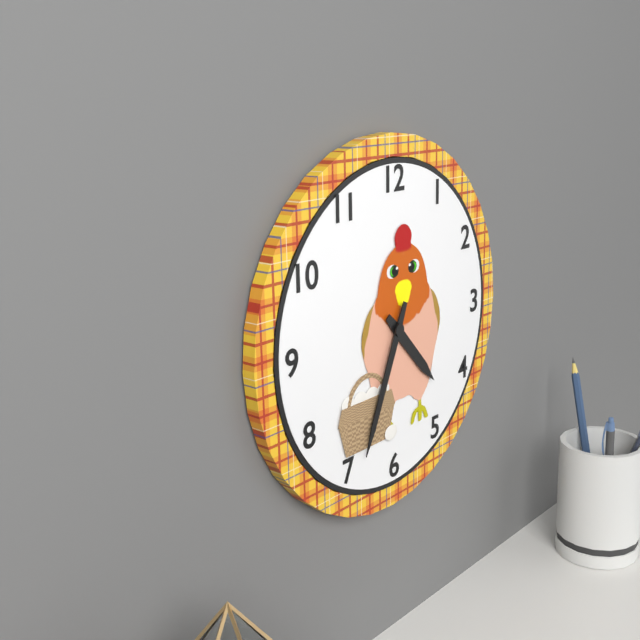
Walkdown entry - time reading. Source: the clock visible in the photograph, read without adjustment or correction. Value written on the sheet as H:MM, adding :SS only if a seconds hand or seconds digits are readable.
4:34
